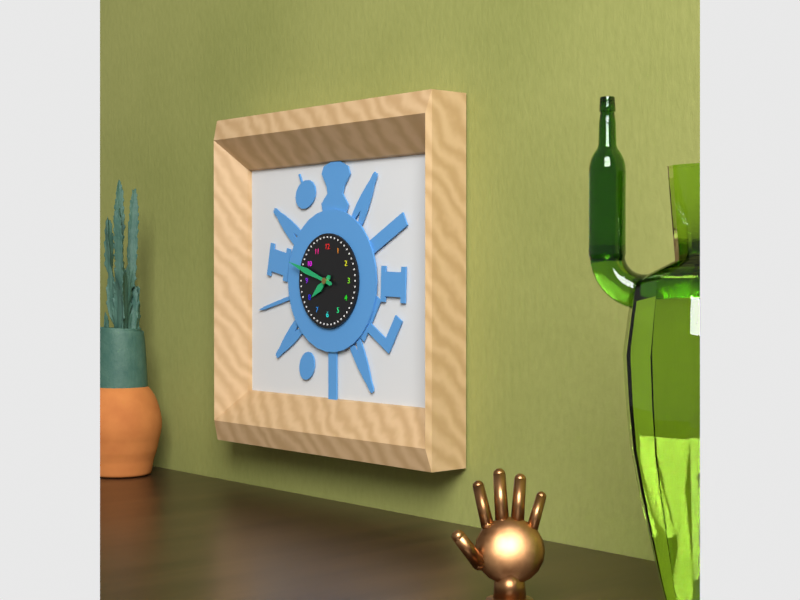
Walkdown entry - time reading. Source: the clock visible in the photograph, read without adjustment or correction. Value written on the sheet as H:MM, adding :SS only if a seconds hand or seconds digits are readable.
7:48
